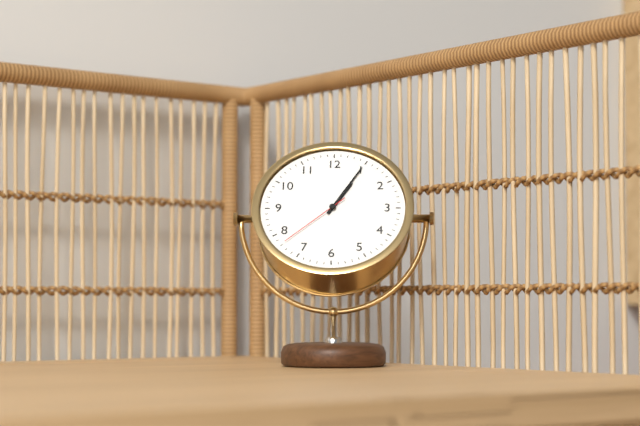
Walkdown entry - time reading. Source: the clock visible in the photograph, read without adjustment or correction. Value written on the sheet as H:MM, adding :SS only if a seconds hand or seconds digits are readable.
1:05:38
